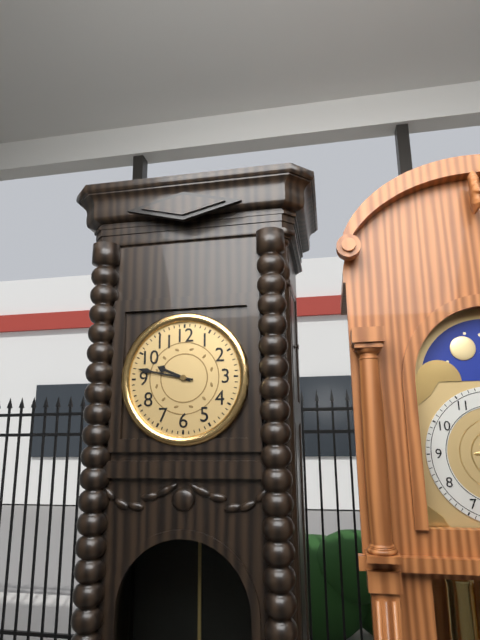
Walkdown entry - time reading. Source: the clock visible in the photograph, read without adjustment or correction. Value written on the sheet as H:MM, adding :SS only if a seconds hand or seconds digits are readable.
9:47
